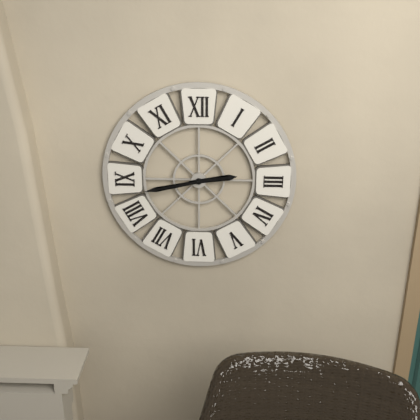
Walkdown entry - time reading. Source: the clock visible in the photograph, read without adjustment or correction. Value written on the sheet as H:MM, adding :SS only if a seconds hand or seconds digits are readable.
2:43
